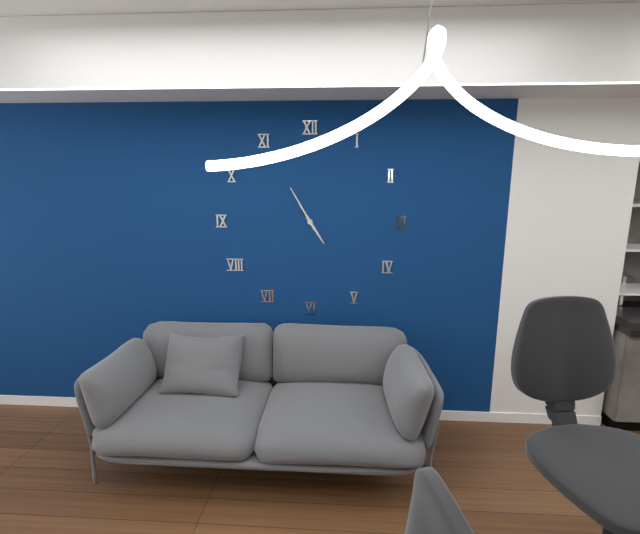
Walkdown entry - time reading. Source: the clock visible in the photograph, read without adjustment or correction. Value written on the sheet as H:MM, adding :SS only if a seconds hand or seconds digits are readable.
4:55
